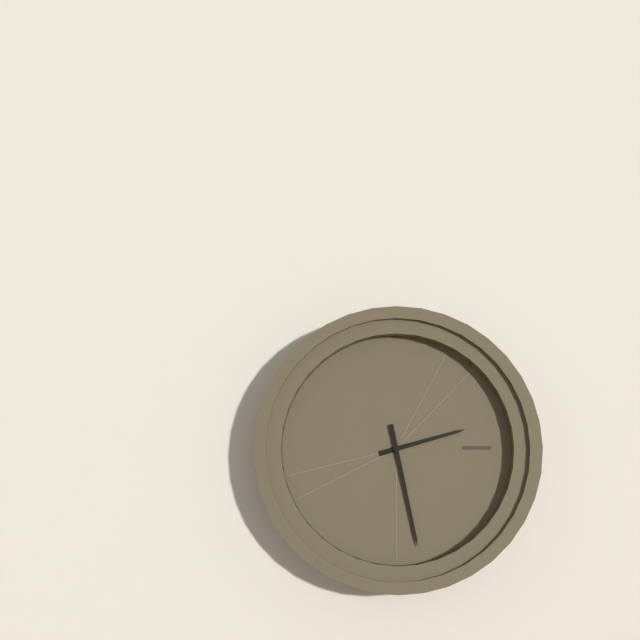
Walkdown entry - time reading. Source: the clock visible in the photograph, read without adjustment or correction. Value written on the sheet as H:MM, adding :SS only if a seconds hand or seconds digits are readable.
2:28
